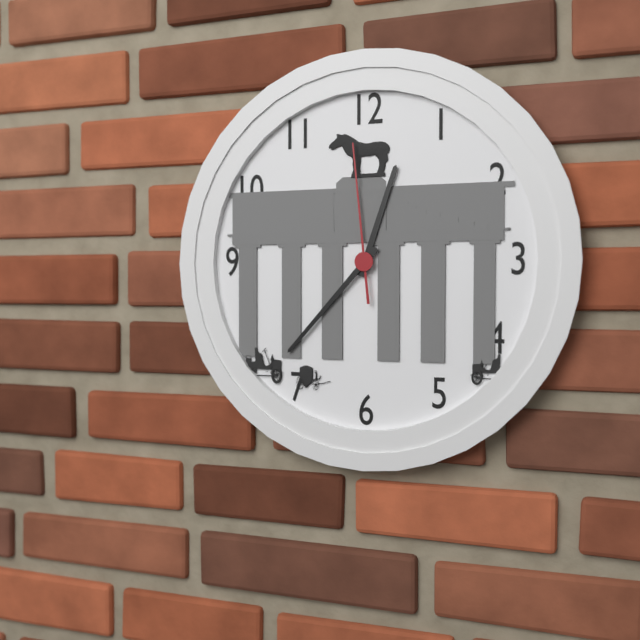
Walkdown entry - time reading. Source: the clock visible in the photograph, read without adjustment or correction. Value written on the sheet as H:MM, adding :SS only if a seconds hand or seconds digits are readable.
12:37:59
